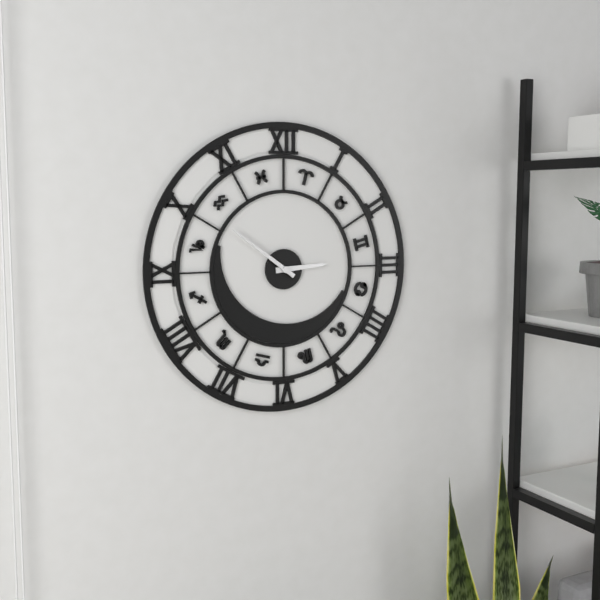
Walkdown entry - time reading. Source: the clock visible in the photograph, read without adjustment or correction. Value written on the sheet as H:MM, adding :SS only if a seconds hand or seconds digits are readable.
2:51
